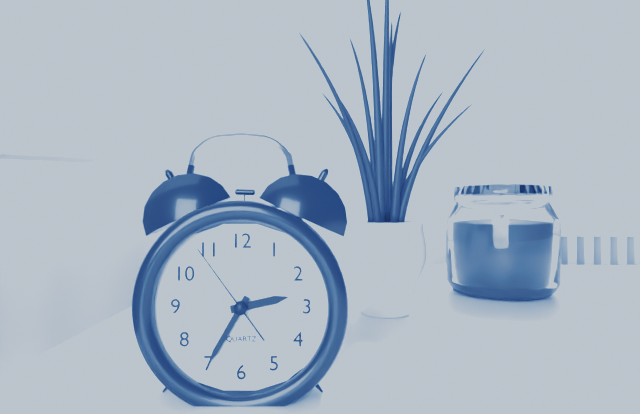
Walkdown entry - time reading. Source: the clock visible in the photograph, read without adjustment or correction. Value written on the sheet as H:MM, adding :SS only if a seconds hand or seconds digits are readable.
2:35:54
